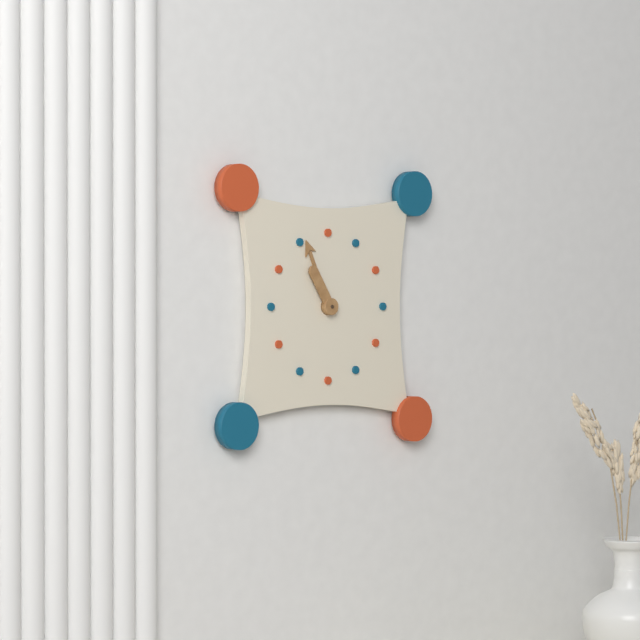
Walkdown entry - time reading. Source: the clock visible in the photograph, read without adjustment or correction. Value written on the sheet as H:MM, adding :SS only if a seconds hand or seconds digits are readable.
10:56
